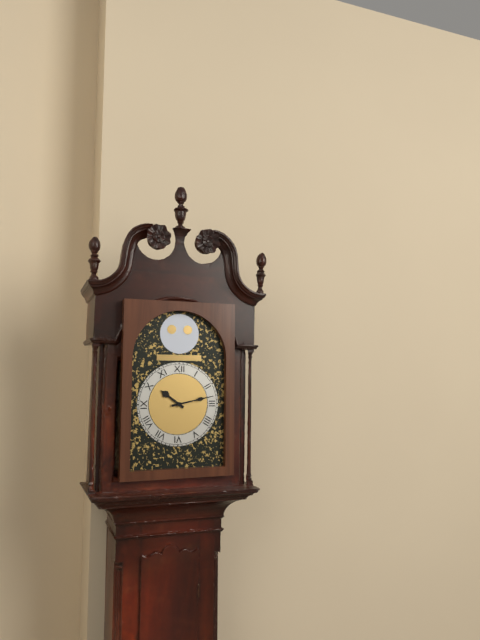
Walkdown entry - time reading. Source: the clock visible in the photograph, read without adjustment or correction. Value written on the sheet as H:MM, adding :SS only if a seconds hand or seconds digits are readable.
10:13
